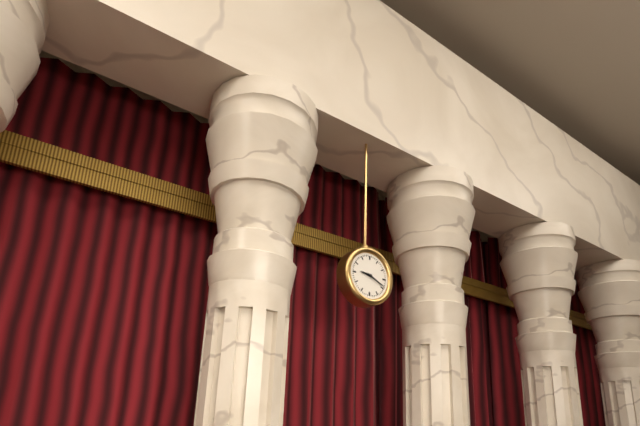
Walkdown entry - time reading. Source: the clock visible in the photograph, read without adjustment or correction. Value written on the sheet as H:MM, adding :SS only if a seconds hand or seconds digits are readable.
9:19
